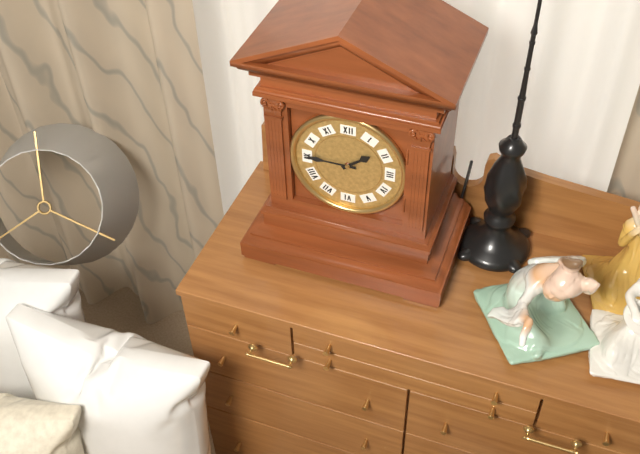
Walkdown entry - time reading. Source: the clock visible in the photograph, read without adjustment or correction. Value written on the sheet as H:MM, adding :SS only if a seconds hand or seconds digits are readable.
1:45
